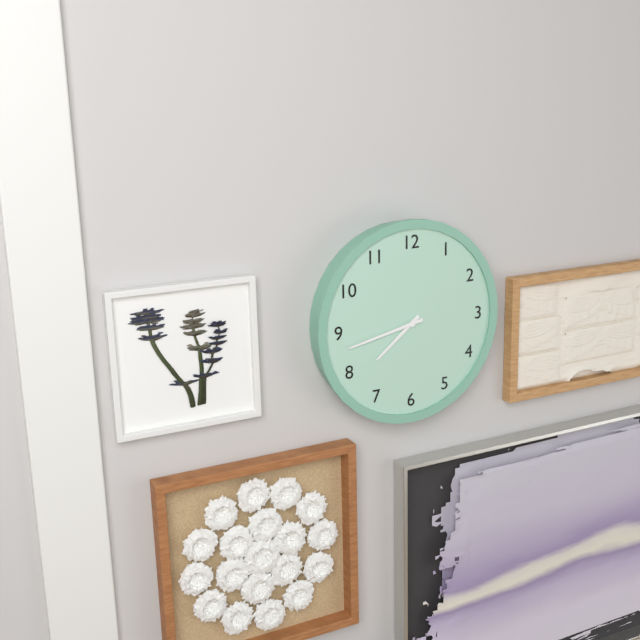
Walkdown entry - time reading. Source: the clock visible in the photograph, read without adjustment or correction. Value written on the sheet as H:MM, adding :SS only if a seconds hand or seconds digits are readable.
7:43
